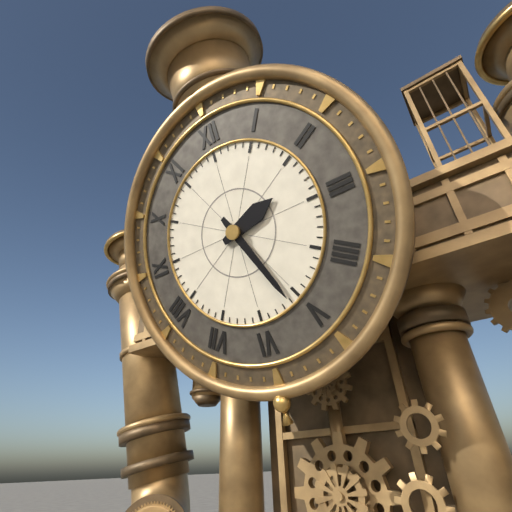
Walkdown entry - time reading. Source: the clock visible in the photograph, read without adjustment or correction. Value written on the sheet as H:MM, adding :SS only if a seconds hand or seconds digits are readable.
2:26
